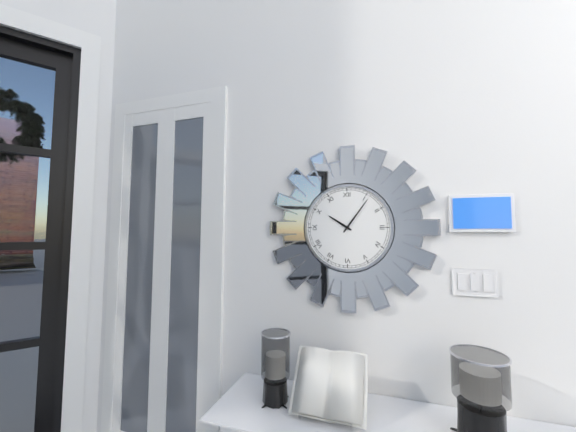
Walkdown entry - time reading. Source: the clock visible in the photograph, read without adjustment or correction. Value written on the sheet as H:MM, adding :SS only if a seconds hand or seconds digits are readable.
10:06
